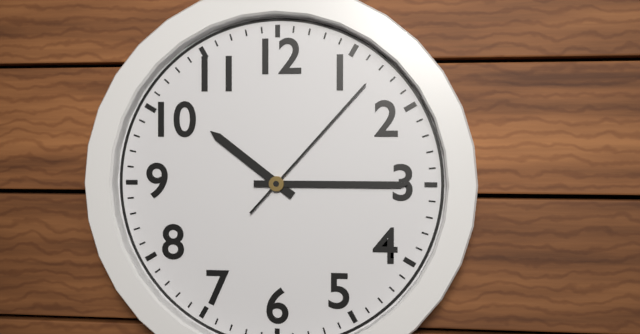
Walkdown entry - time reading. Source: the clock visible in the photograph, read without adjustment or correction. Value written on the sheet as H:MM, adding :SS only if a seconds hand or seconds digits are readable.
10:15:07
